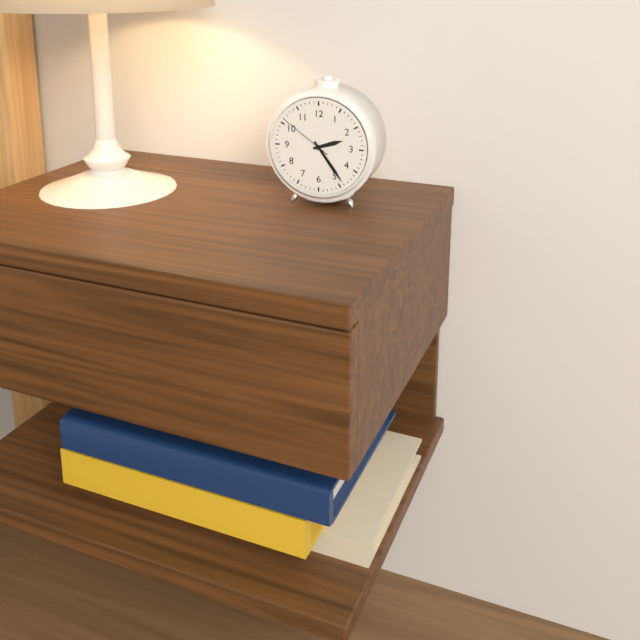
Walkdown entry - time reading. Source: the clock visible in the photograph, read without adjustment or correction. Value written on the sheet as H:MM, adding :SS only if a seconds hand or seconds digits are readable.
2:24:51
